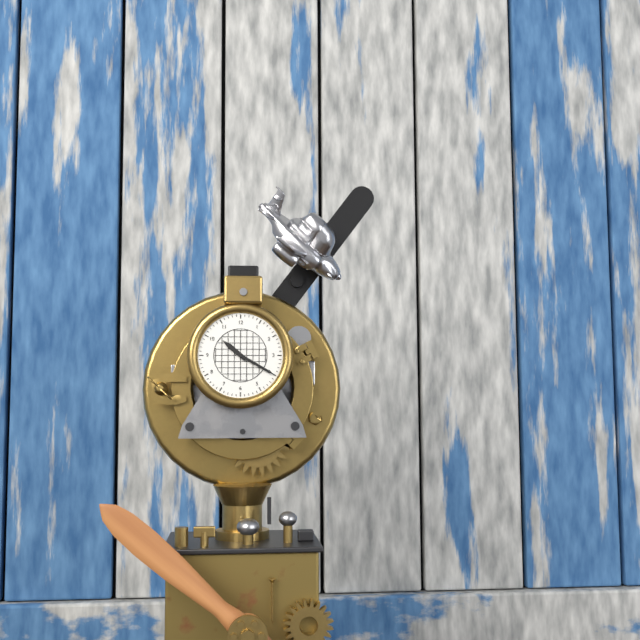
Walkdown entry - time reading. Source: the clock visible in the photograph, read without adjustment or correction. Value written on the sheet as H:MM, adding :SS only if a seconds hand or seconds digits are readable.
10:20
